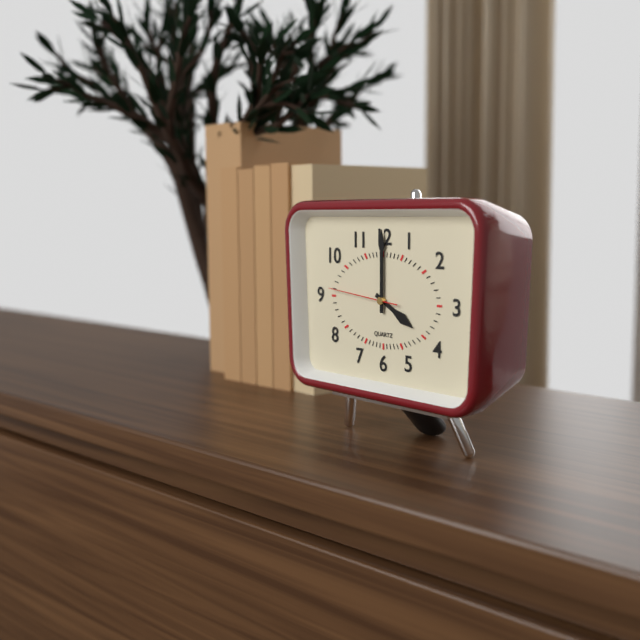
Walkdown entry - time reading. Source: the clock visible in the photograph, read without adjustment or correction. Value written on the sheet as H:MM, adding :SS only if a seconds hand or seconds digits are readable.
4:00:46
